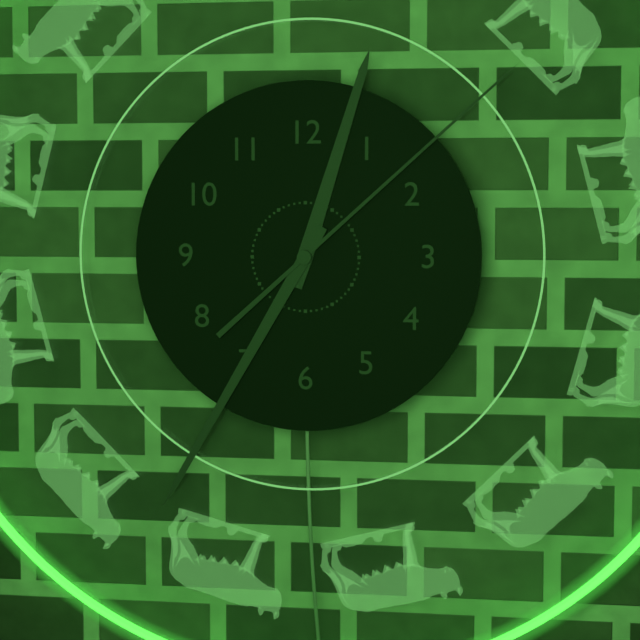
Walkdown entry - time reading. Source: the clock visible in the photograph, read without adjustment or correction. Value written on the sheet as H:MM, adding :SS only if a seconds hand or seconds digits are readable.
12:35:08
